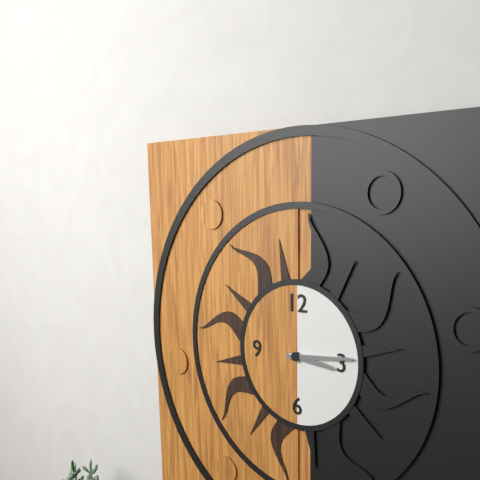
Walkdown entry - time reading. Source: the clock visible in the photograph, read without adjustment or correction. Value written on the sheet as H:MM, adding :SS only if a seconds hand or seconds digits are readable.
3:14
